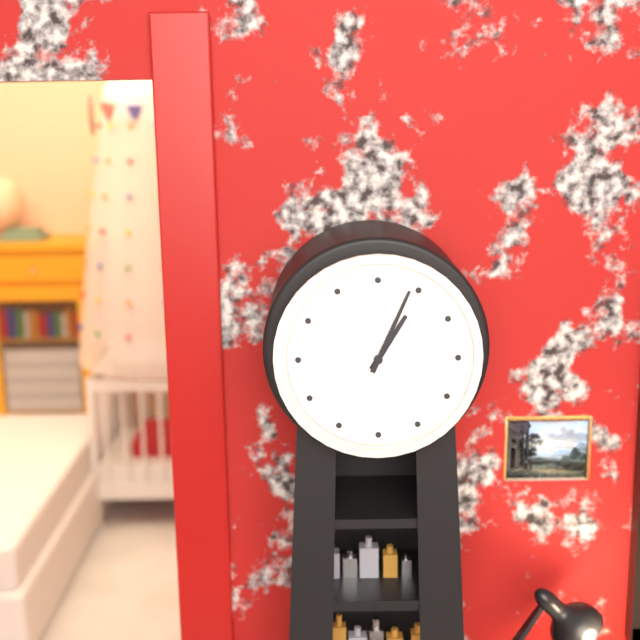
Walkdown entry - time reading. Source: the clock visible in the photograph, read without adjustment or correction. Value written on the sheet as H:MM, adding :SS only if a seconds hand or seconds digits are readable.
1:04
